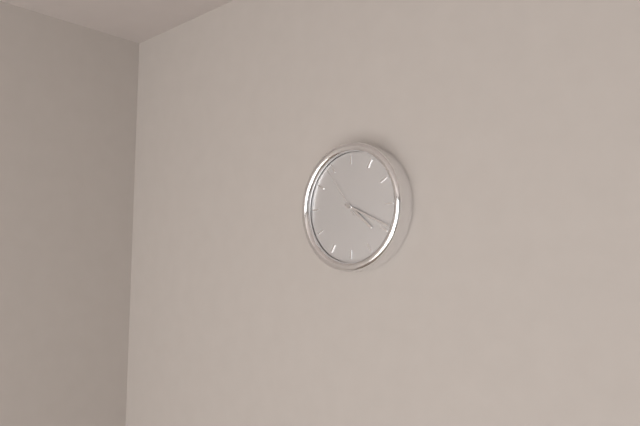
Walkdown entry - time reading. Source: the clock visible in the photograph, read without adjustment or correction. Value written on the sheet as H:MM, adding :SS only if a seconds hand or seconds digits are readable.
4:19:54
